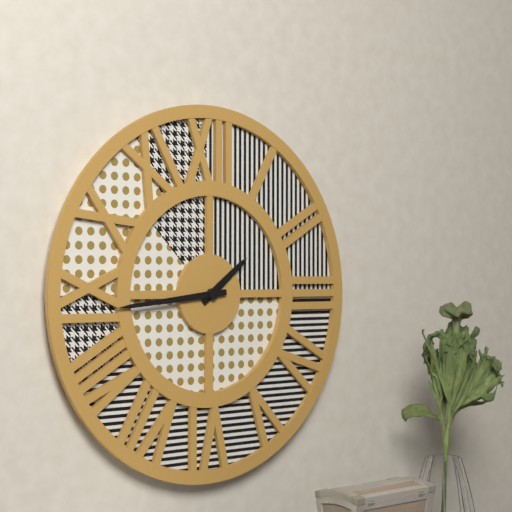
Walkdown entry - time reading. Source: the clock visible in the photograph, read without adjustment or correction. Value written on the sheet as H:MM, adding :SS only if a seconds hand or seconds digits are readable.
1:44
